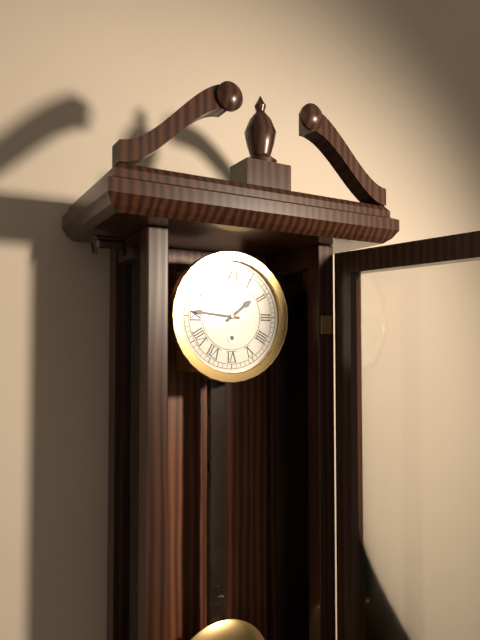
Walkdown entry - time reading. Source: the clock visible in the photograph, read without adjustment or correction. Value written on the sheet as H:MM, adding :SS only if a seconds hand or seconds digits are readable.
1:46
